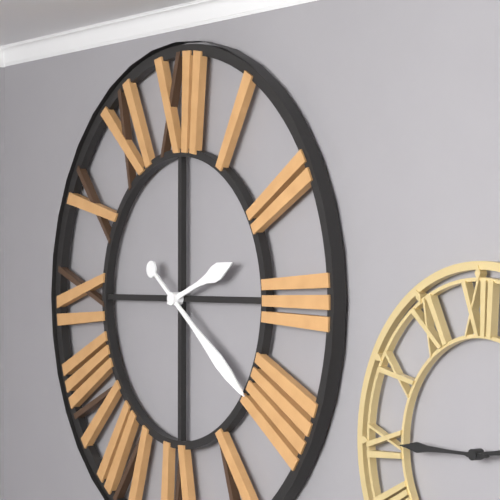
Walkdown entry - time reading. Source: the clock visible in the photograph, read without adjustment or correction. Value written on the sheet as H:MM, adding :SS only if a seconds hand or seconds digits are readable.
2:21
